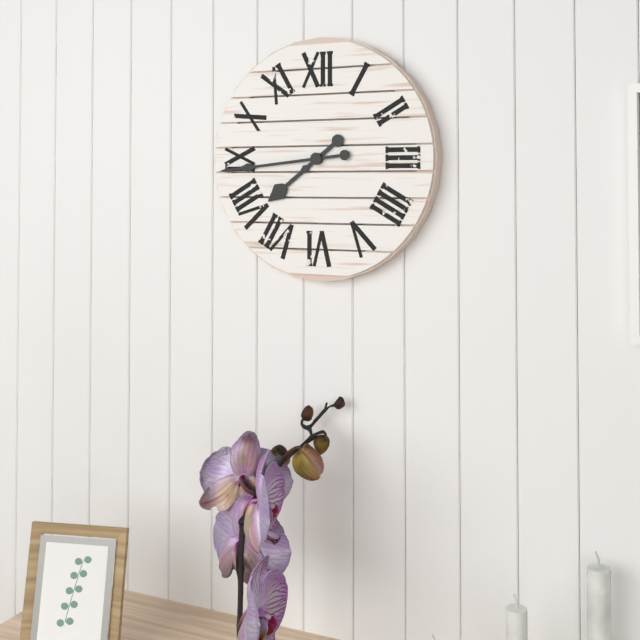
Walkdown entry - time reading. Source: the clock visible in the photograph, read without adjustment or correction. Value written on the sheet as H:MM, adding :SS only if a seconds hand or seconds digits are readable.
7:44
